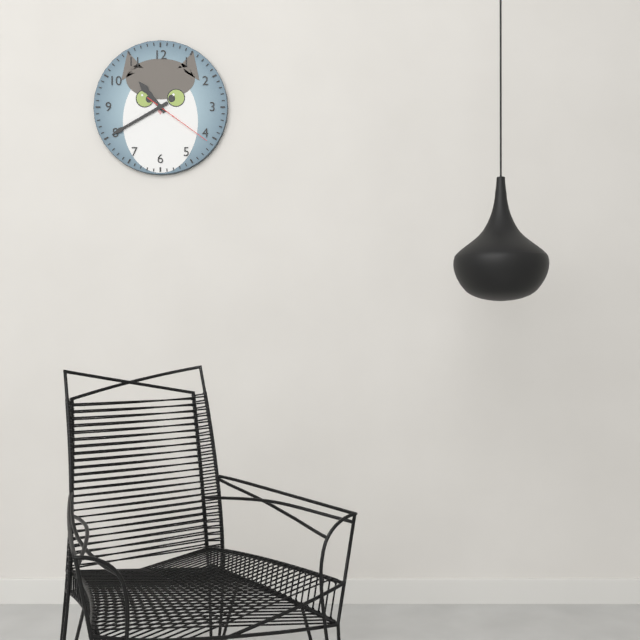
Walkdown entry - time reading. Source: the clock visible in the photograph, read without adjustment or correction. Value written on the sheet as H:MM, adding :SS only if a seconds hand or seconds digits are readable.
10:40:21
